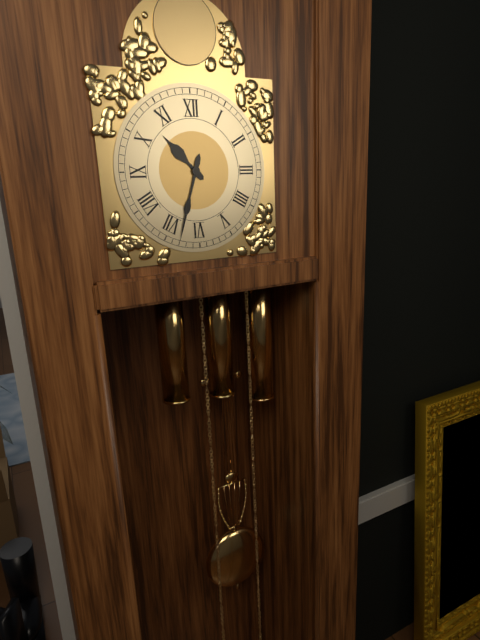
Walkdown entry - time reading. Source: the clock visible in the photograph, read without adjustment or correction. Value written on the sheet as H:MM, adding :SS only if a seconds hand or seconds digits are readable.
10:33
